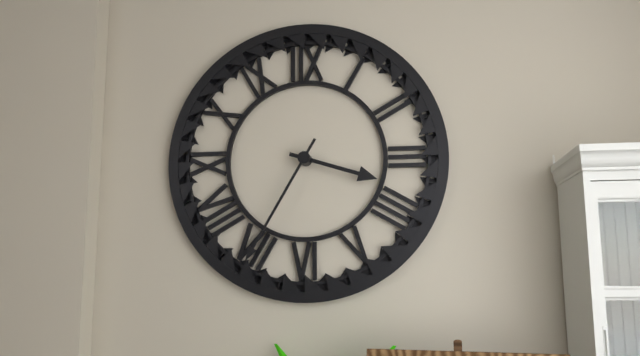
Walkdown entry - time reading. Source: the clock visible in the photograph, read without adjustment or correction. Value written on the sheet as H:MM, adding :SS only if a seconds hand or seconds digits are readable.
3:35
